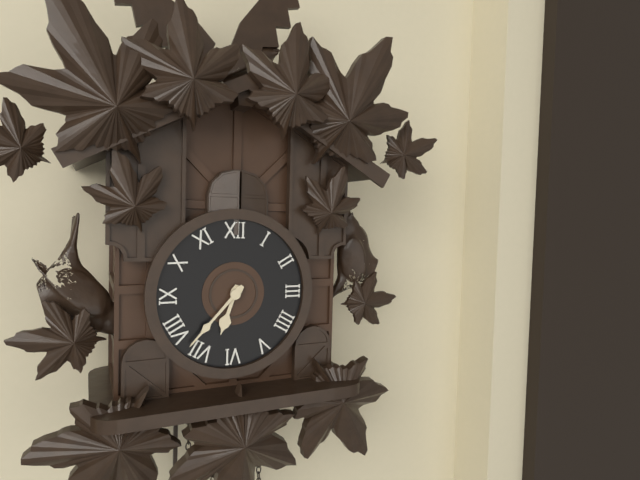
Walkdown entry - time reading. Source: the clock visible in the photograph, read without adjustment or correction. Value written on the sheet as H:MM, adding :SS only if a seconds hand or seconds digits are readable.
6:37
